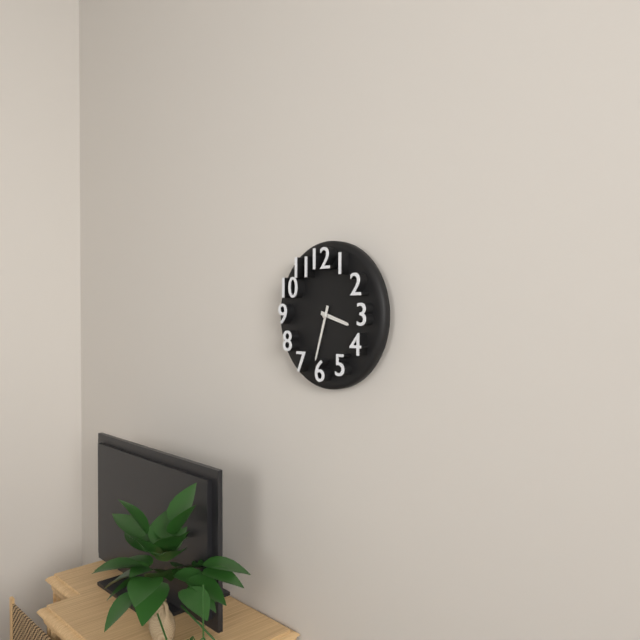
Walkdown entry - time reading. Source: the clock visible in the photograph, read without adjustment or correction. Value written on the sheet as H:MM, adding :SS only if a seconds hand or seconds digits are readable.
3:33
